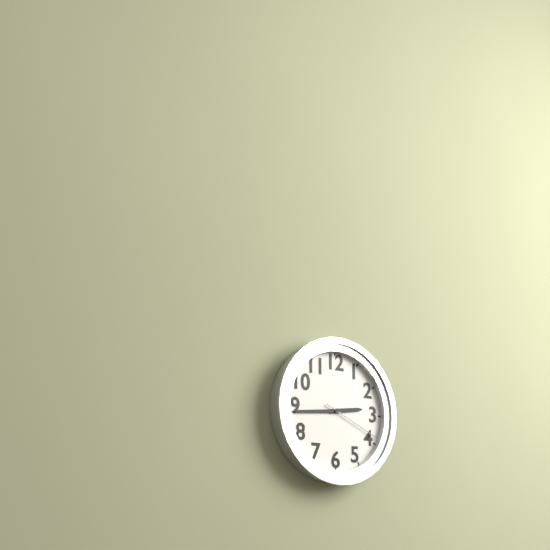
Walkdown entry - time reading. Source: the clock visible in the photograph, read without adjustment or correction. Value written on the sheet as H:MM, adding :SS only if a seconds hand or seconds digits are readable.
2:44:19
